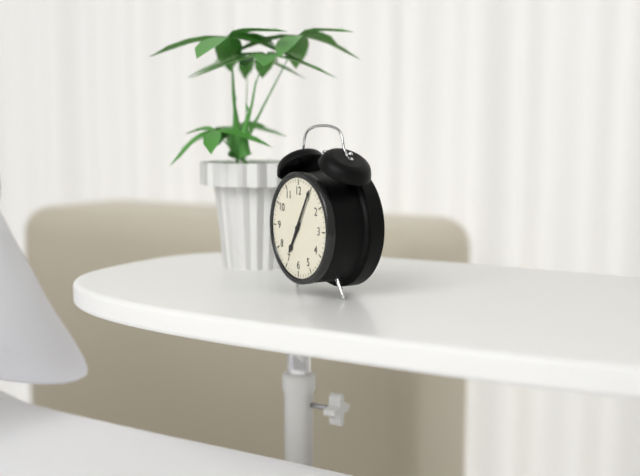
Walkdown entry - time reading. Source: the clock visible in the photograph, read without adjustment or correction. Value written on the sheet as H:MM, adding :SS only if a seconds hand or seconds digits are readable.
7:05
